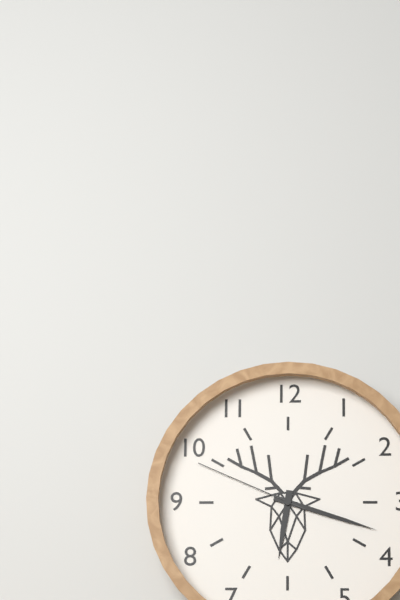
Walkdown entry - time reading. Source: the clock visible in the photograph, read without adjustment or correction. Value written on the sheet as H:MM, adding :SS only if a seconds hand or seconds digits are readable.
6:18:49
